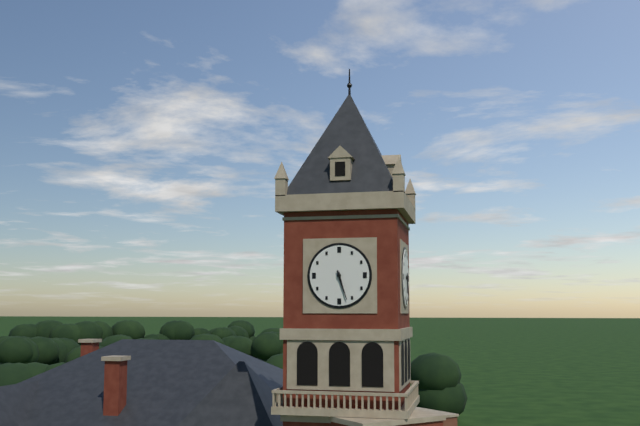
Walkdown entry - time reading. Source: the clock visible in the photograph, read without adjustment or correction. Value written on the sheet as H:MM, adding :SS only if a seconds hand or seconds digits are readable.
5:27
